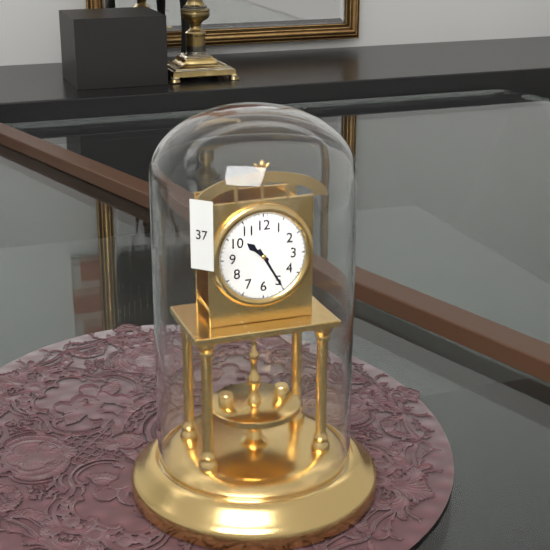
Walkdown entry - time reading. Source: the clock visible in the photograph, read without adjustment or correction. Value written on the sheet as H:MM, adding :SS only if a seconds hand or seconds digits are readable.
10:25
